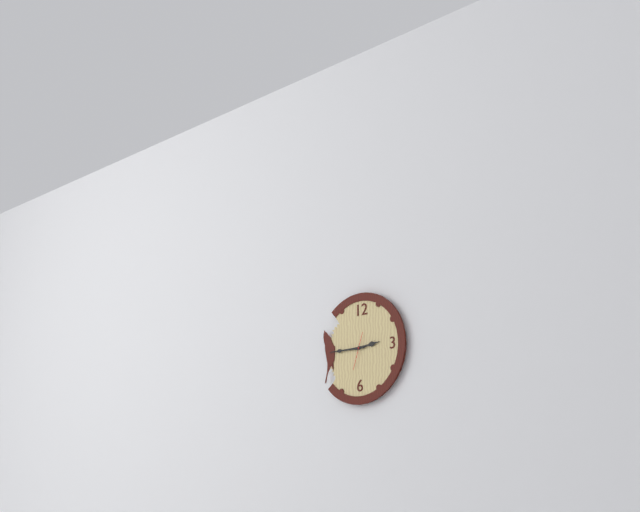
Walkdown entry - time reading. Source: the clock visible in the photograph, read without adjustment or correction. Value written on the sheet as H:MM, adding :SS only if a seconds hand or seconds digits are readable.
2:45
